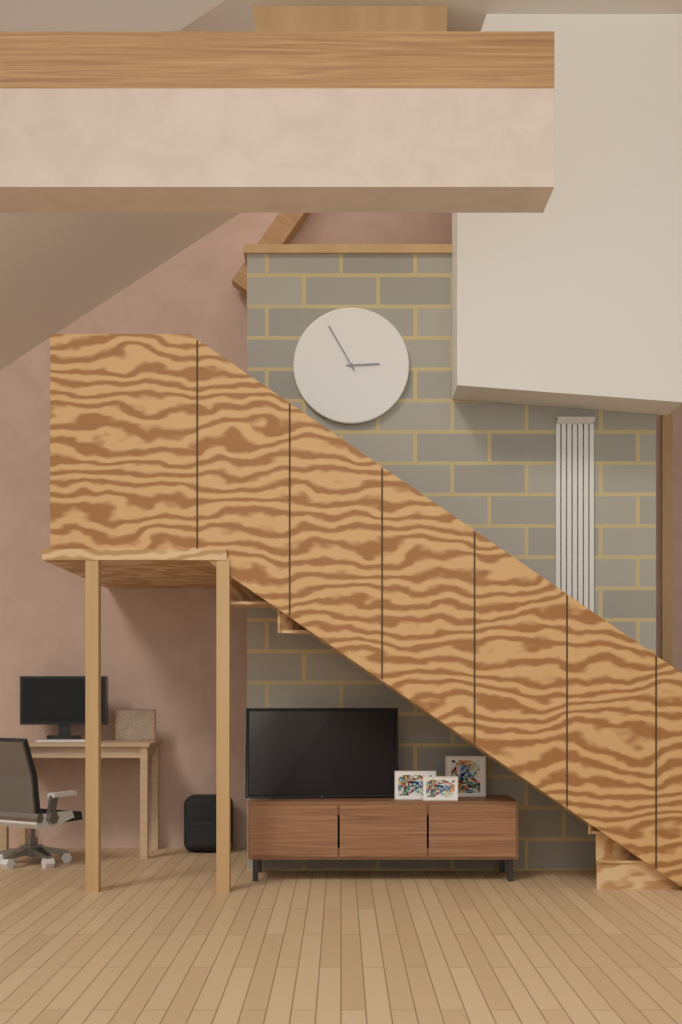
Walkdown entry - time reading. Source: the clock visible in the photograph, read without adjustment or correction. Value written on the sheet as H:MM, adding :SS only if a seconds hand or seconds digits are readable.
2:55
